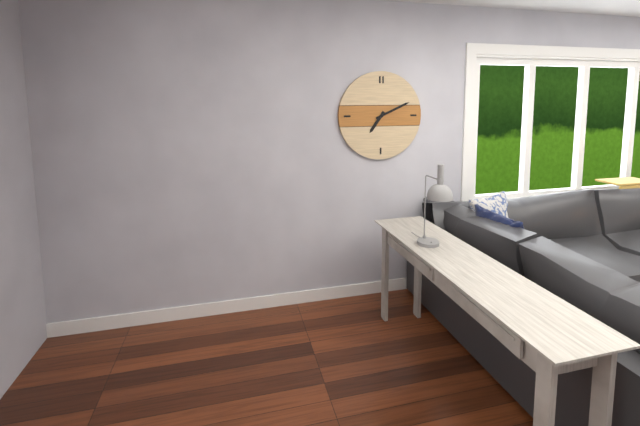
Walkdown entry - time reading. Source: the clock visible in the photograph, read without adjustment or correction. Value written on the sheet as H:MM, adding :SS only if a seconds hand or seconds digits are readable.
7:11
